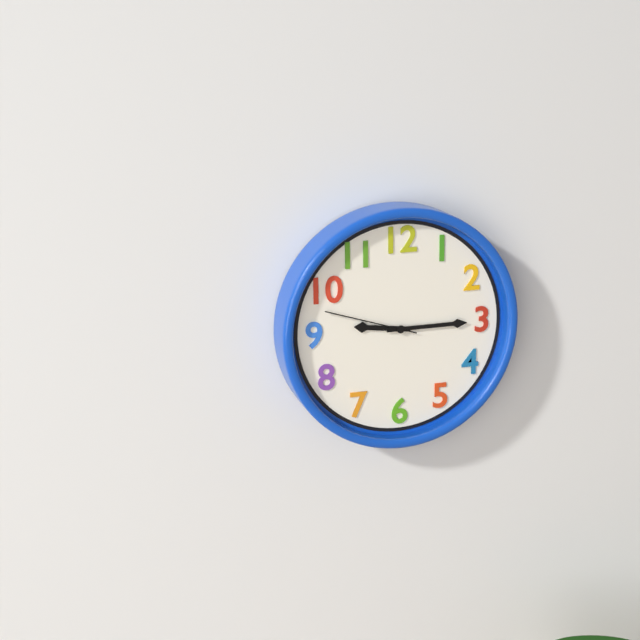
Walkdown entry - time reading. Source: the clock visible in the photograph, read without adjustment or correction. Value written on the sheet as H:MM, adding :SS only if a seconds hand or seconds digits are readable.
9:15:48
